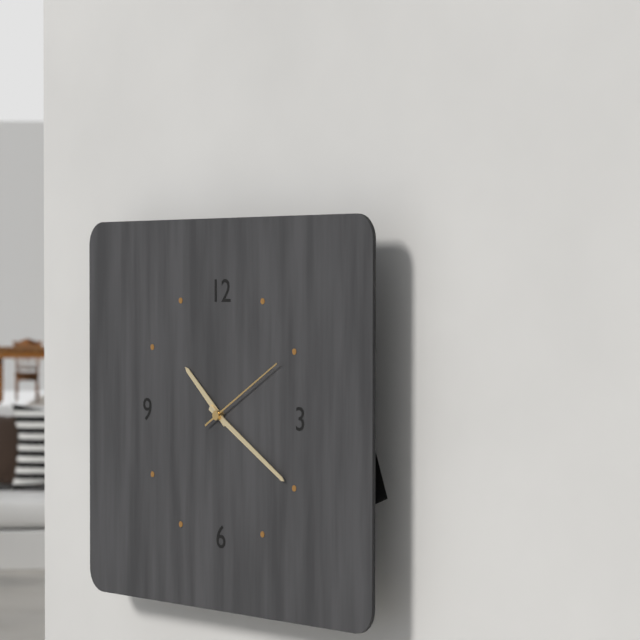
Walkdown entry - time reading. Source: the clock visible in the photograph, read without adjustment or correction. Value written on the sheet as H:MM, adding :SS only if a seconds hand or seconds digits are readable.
10:20:10
